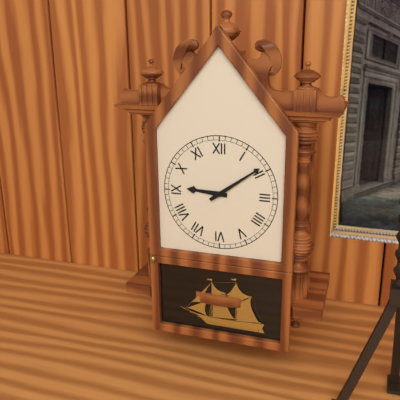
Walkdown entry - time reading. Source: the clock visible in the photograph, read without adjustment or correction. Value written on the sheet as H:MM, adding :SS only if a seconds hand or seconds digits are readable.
9:09
